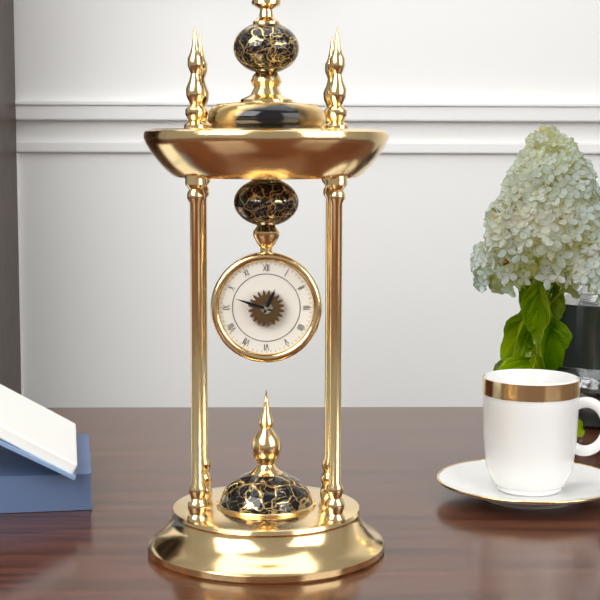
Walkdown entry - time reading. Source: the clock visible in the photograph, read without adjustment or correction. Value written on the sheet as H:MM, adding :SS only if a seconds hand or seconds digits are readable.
12:48
